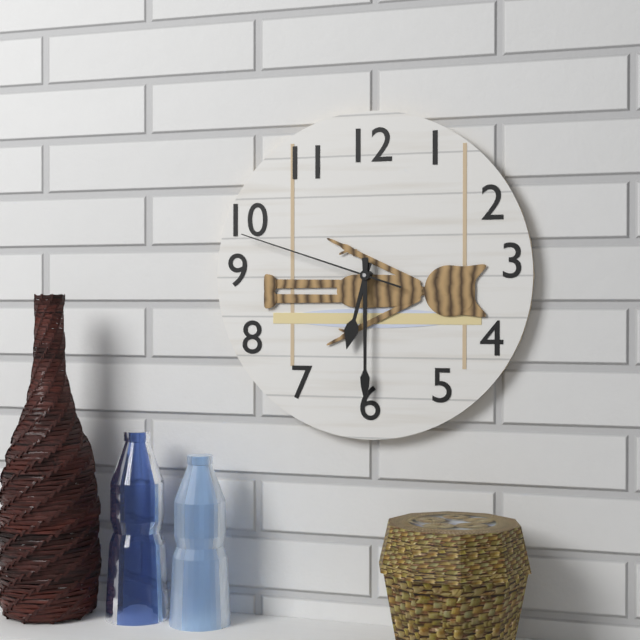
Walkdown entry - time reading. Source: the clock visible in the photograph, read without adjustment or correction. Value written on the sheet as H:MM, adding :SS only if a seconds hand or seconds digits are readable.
6:30:48
